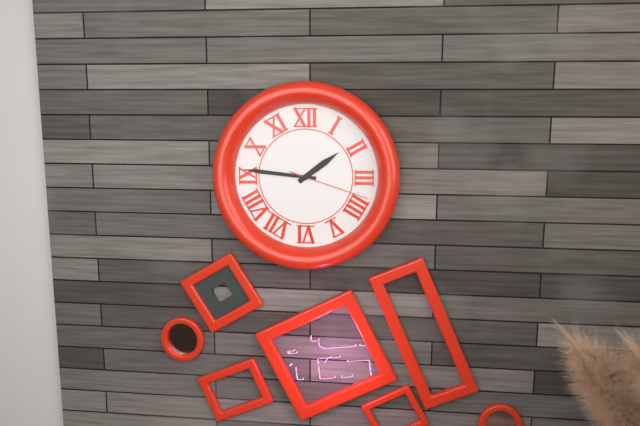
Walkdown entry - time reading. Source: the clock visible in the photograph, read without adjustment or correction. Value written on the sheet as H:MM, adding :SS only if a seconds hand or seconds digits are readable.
1:46:18
